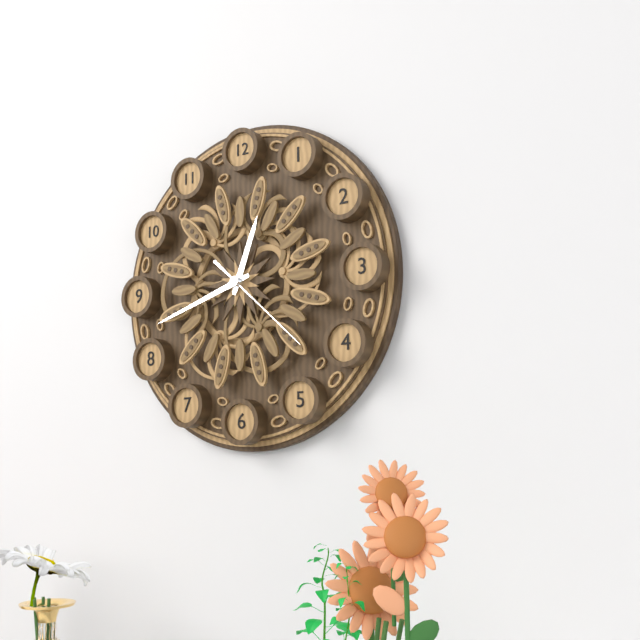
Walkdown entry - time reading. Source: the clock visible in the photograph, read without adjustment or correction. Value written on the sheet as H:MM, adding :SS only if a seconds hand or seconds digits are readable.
12:42:22
